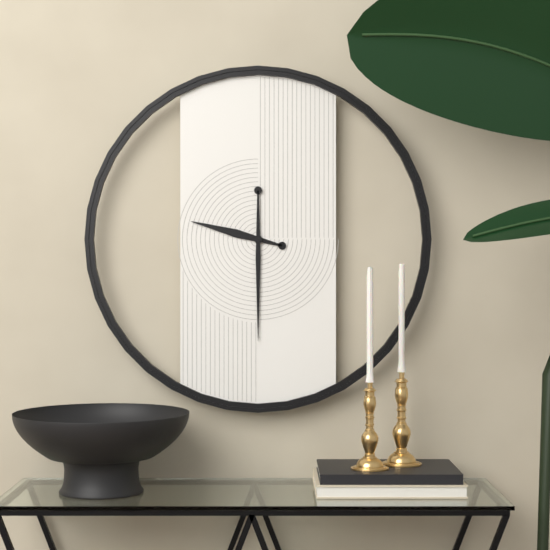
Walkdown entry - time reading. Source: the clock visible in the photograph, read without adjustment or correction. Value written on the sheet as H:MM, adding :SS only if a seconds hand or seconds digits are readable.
9:30
